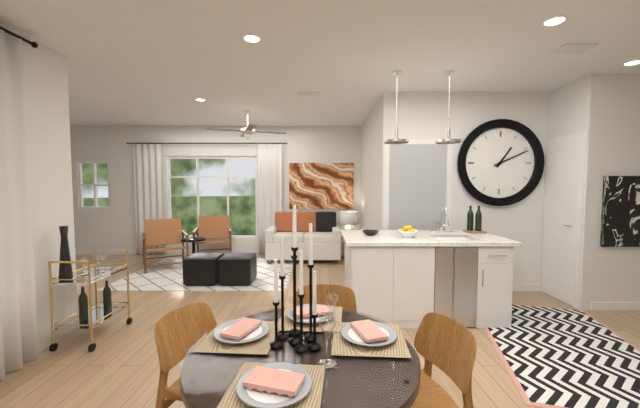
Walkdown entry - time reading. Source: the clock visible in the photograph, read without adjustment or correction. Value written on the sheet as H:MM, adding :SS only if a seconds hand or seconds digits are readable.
1:11
